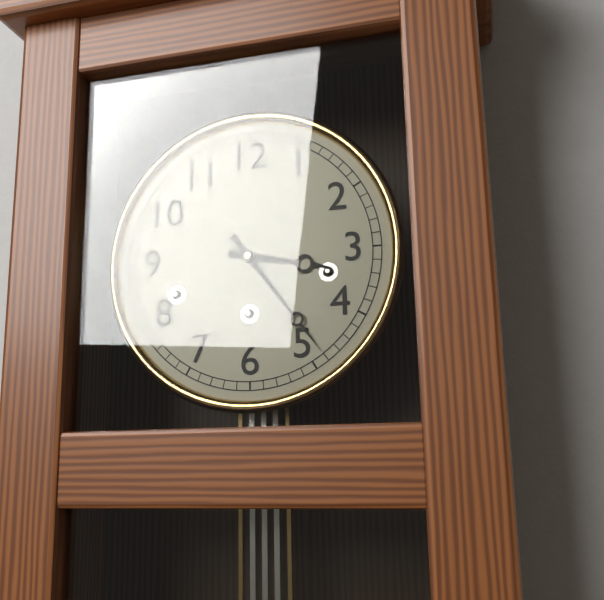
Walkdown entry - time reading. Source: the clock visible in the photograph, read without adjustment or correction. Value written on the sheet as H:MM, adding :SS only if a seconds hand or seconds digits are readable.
3:24
